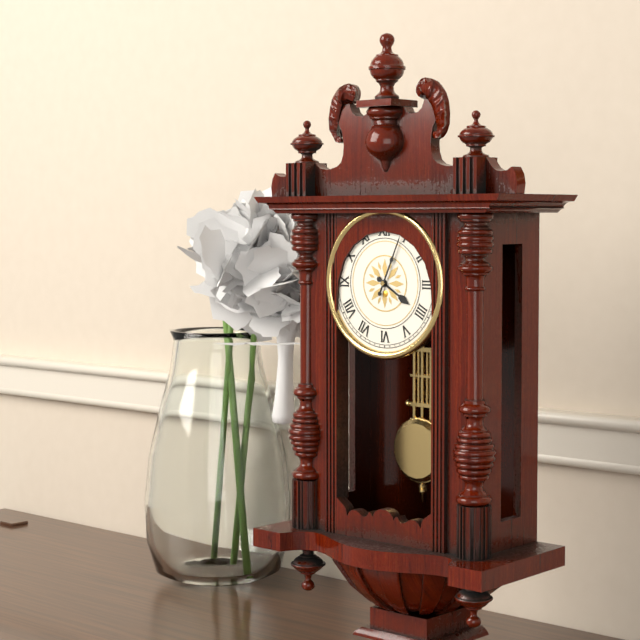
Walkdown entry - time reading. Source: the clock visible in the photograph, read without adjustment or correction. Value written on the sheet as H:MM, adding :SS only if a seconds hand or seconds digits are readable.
4:04
